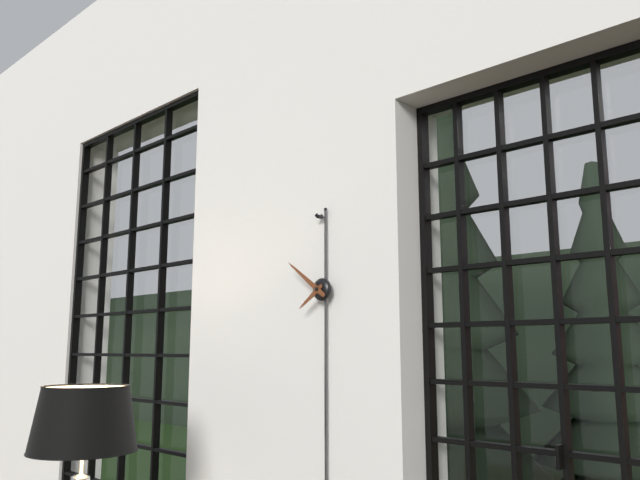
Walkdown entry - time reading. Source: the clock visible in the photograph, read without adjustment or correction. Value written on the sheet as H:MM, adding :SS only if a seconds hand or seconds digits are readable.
7:51
